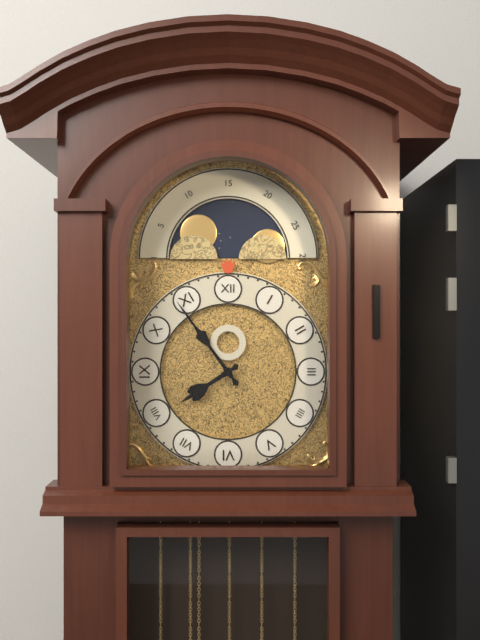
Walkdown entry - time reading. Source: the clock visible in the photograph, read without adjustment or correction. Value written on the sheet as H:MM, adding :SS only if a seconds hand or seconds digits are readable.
7:54
